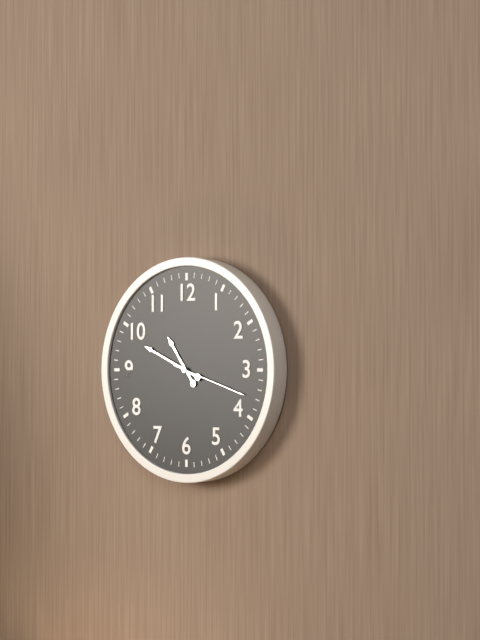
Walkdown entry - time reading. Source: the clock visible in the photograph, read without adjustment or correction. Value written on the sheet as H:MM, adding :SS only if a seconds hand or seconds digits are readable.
10:49:18
